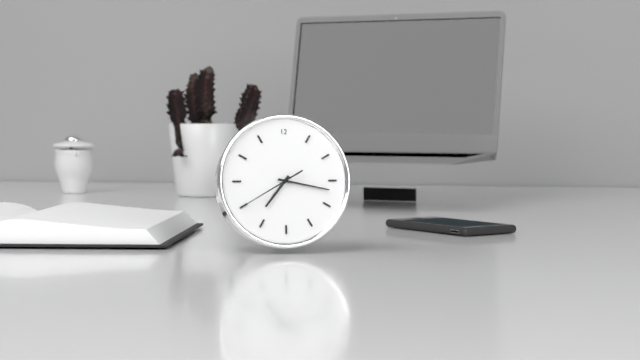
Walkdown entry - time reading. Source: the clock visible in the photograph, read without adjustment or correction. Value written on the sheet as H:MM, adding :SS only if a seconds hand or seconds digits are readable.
7:17:40
